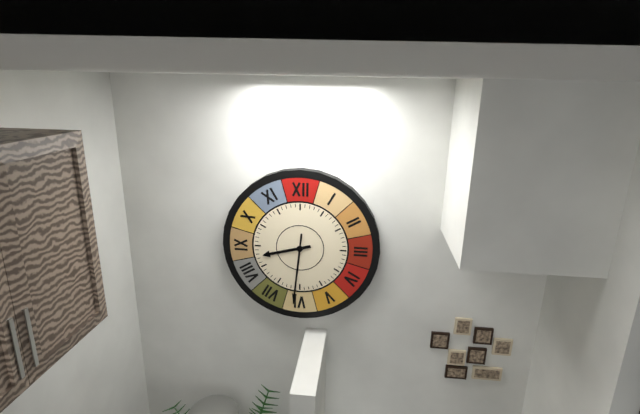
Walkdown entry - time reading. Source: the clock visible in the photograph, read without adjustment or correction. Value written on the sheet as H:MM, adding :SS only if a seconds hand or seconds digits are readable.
8:31
